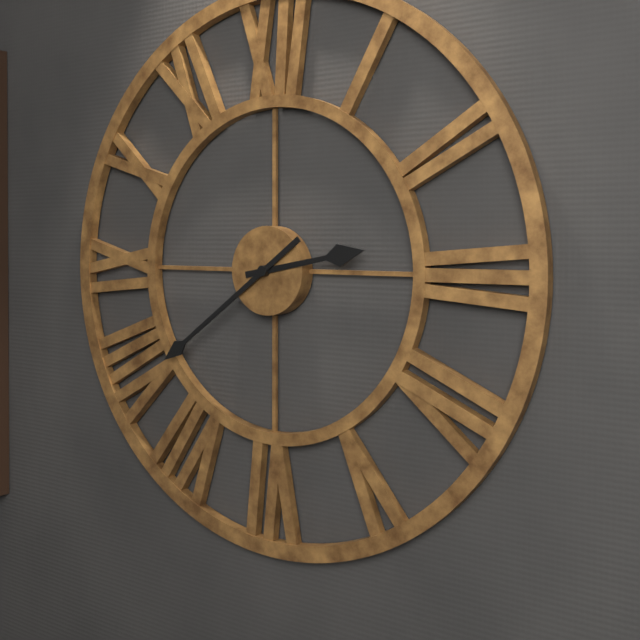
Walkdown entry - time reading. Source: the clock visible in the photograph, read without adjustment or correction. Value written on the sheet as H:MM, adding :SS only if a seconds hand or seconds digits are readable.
2:39
